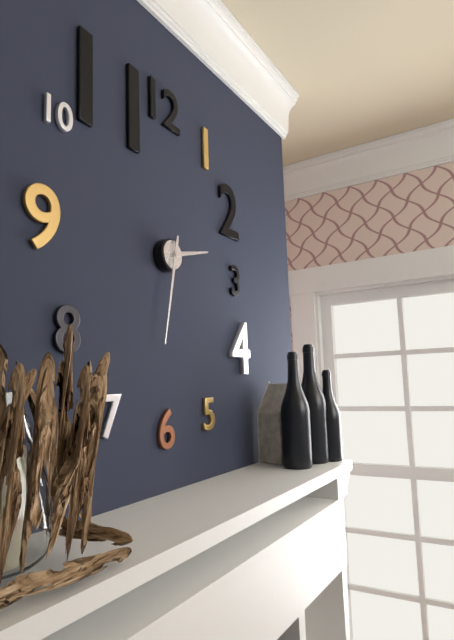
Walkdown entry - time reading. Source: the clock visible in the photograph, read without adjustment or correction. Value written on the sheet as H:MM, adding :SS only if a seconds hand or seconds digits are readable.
2:32
